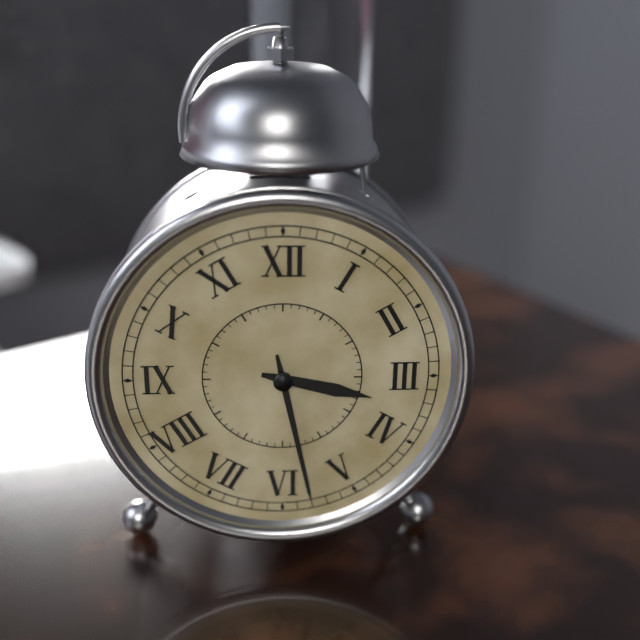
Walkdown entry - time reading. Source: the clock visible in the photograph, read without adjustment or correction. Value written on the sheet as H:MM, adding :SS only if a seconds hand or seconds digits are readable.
3:28
